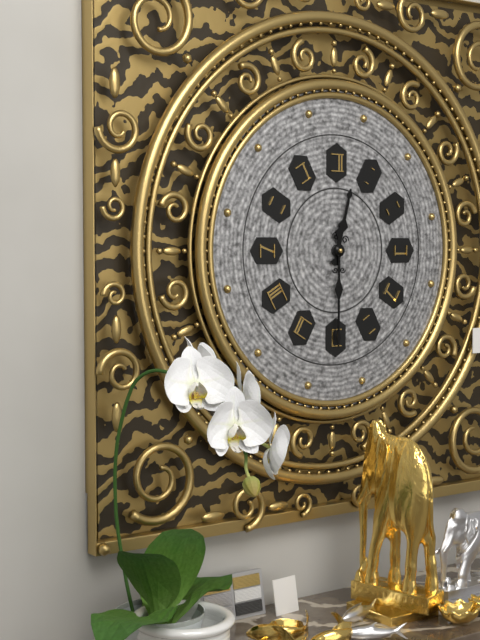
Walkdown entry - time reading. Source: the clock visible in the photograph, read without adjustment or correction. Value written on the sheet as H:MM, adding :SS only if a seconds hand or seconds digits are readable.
12:30
